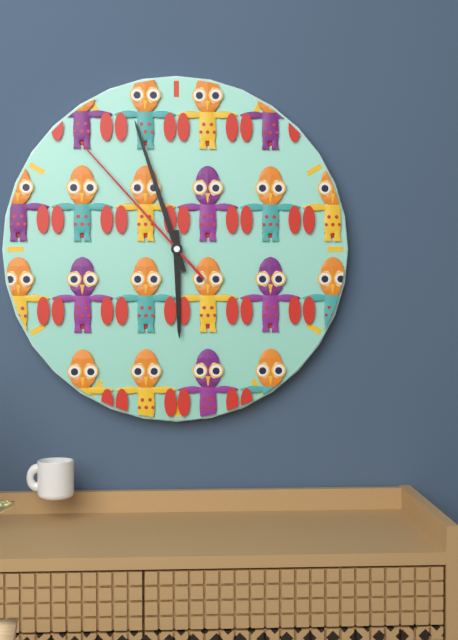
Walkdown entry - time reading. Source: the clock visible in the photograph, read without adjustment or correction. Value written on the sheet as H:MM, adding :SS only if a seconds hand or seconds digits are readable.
5:57:53
